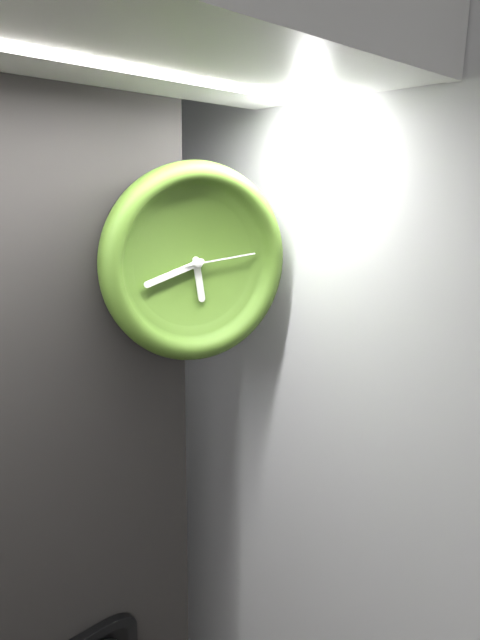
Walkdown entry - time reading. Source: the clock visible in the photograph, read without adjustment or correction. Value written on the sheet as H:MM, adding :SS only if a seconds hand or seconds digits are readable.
5:42:14
